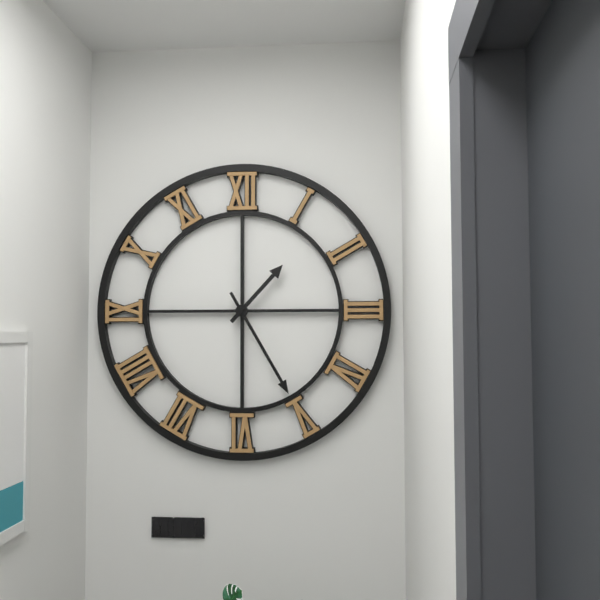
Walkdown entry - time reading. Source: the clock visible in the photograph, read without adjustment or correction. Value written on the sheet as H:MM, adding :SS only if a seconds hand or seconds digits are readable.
1:25
